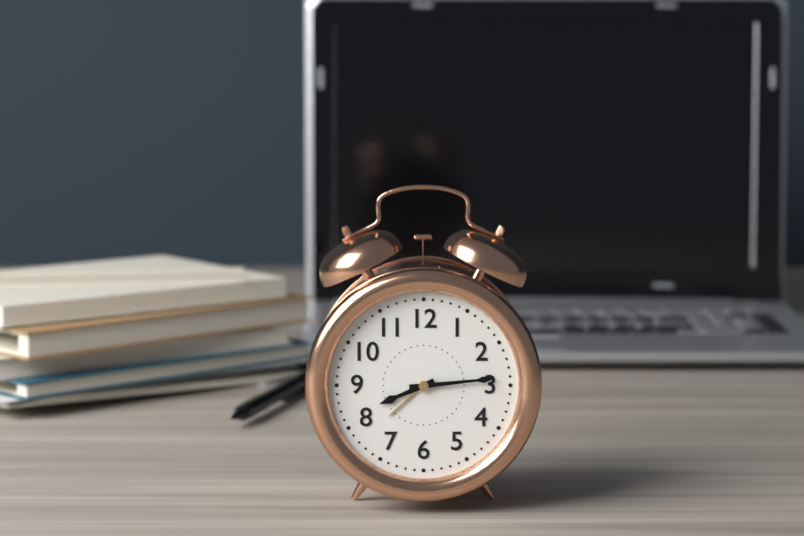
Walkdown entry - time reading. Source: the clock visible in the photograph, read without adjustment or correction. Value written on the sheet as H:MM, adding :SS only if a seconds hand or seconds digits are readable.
8:14
